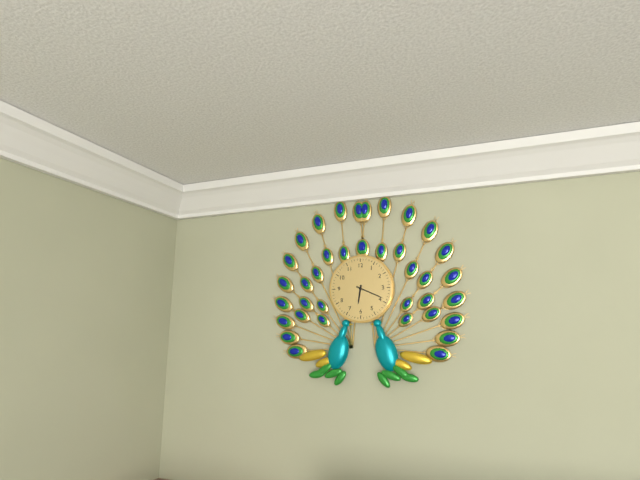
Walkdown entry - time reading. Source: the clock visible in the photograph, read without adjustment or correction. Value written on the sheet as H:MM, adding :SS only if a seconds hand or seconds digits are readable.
6:19
